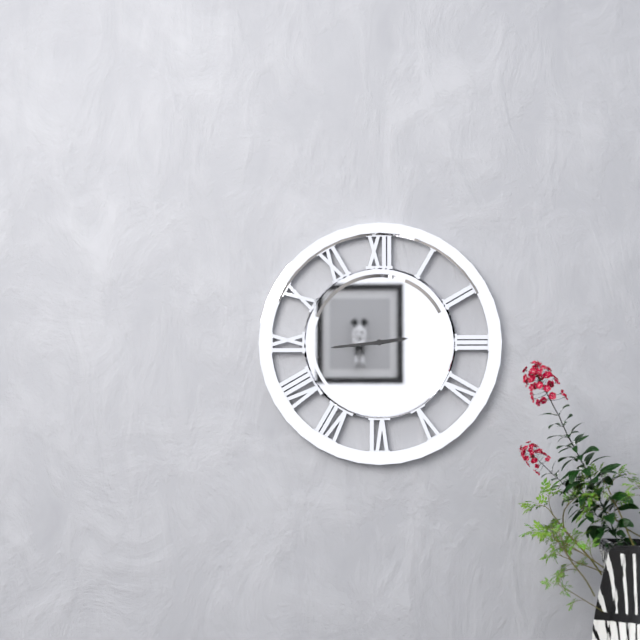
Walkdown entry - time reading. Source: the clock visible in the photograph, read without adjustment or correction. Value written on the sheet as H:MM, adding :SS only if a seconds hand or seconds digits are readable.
2:44
